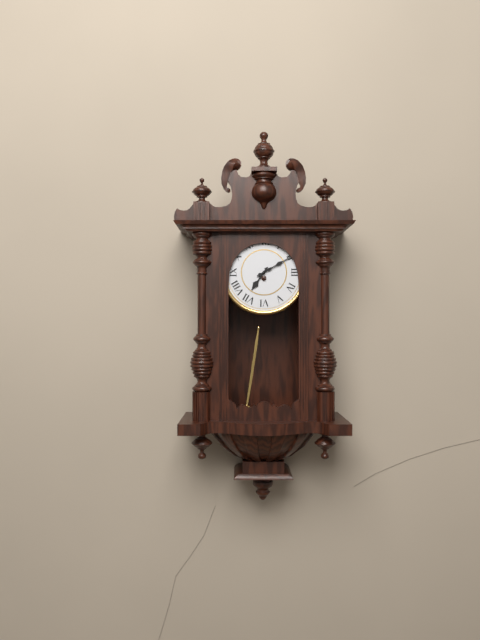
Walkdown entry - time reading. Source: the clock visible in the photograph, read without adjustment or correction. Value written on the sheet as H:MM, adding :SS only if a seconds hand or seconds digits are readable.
7:10
